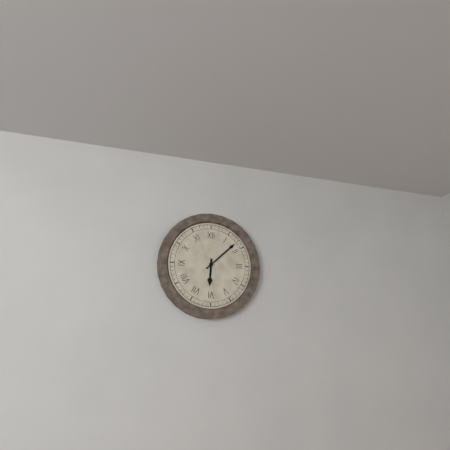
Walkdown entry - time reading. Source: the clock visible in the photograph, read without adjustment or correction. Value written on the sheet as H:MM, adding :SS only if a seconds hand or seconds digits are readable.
6:08
